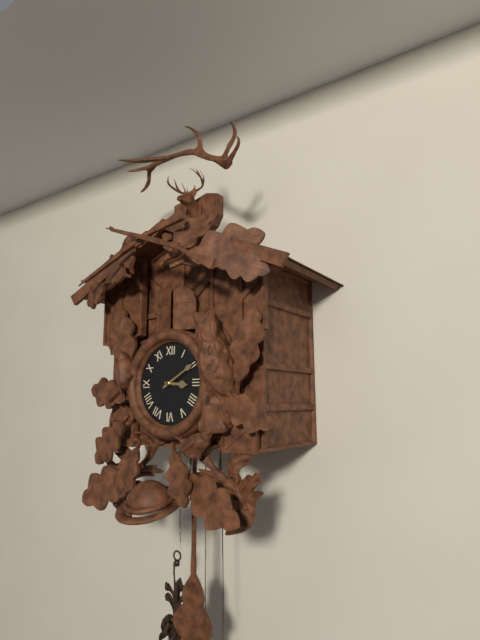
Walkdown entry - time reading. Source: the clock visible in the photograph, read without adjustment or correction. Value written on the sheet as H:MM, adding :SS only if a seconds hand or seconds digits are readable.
3:10
